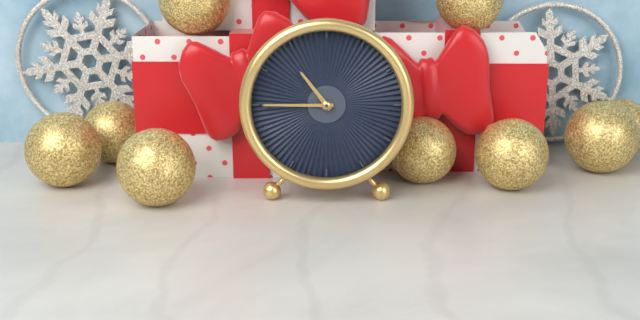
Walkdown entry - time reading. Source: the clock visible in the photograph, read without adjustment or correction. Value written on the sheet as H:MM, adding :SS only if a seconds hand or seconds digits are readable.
10:45
